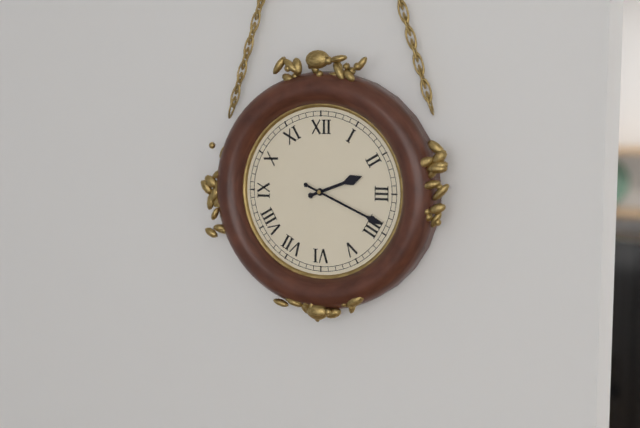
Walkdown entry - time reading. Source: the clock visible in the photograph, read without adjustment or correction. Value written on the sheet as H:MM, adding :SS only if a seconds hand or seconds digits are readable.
2:19
